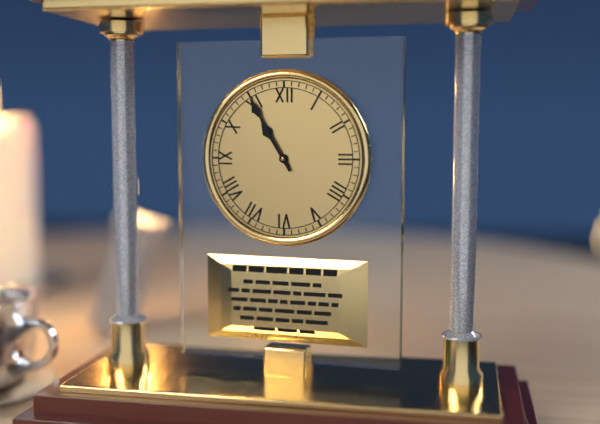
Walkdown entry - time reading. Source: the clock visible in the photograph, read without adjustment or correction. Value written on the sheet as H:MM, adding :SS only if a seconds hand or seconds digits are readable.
10:55
